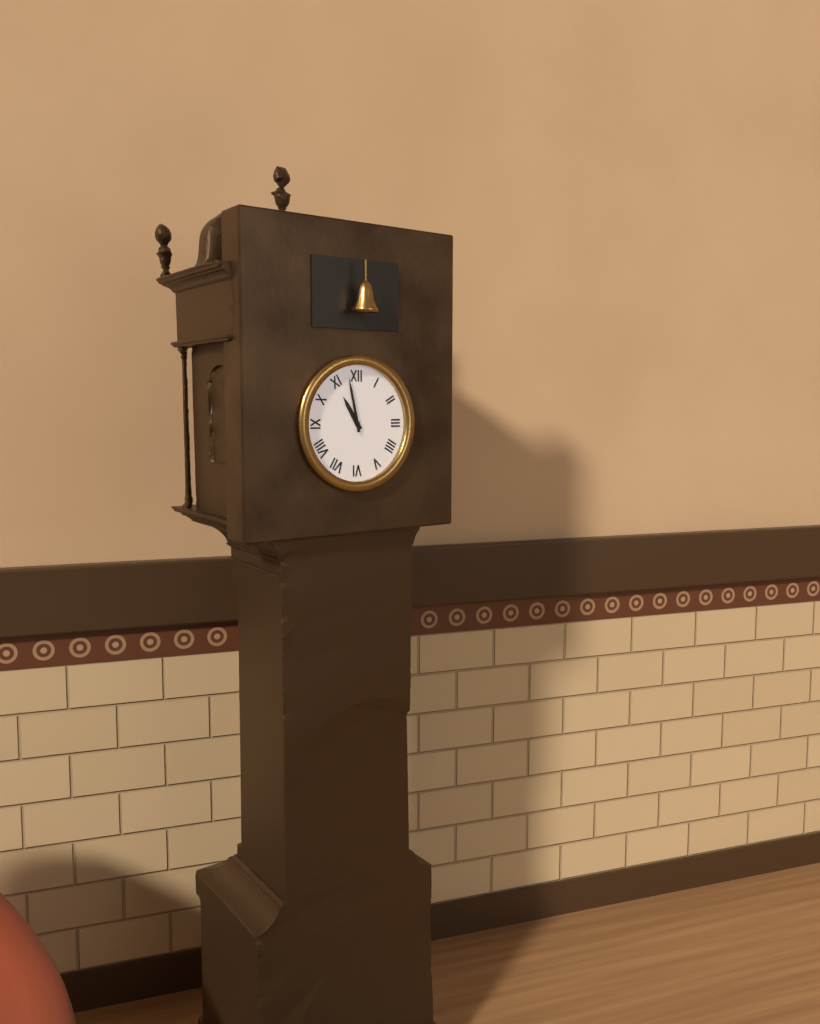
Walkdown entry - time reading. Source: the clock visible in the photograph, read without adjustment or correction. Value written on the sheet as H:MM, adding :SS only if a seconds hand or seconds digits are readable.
10:58
